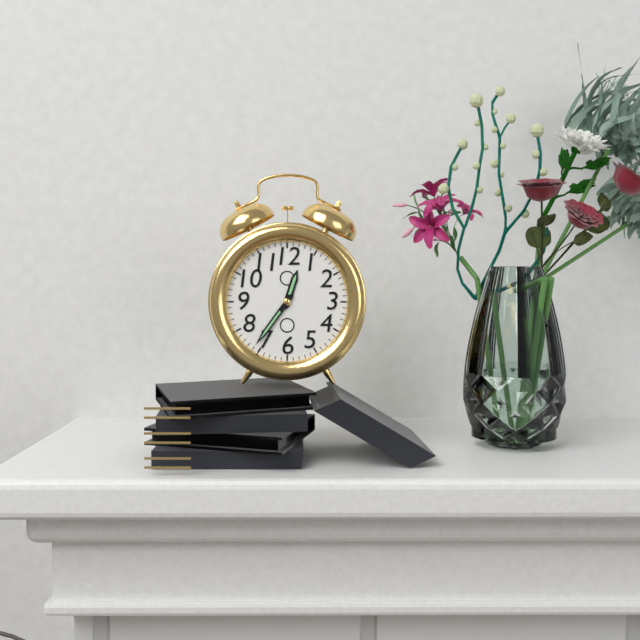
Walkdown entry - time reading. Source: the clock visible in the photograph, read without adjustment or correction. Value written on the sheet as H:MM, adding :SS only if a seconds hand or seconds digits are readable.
12:36
